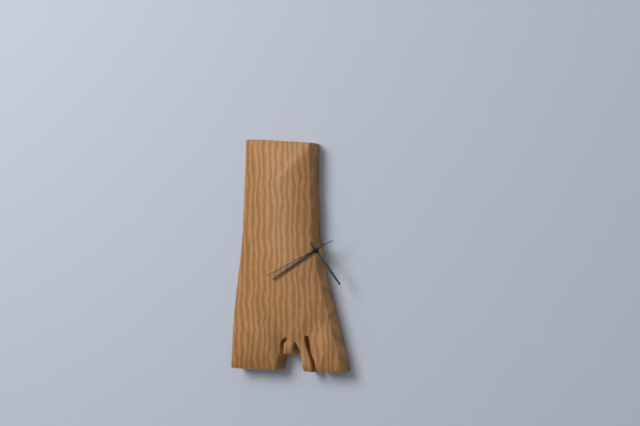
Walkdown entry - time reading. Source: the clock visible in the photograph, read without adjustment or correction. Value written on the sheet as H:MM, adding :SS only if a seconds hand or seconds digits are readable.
4:40:41
